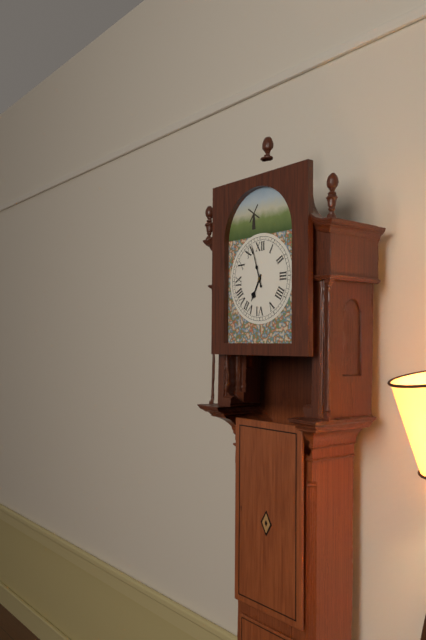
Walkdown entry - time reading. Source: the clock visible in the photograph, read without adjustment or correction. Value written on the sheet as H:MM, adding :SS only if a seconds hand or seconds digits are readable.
6:57
